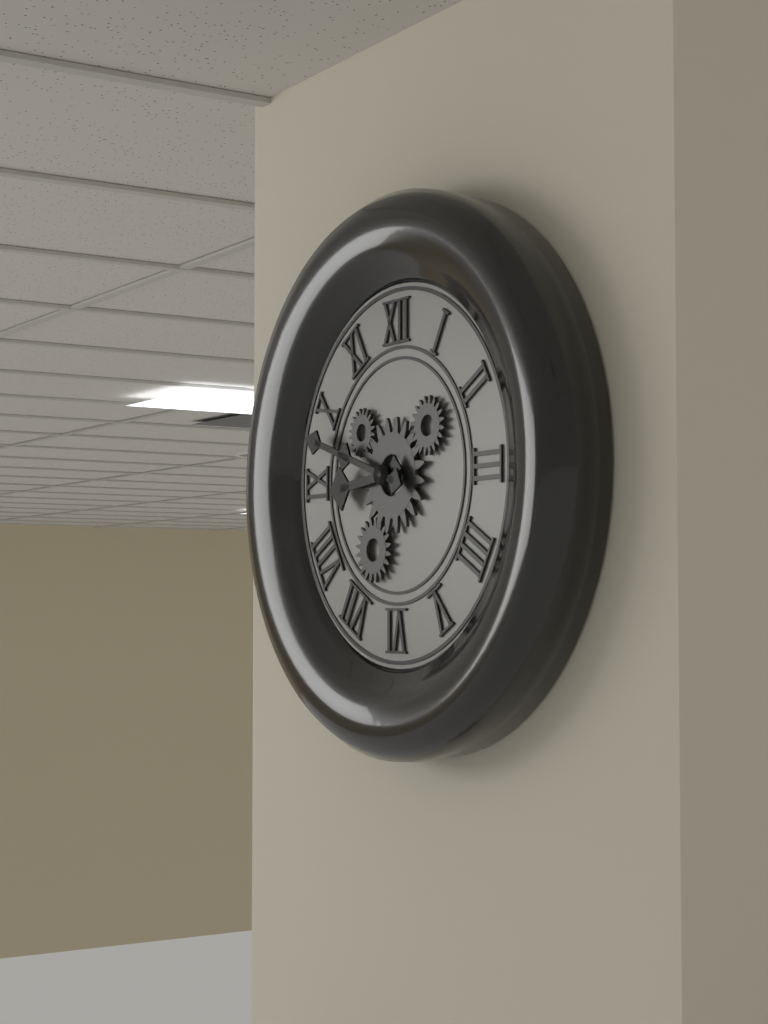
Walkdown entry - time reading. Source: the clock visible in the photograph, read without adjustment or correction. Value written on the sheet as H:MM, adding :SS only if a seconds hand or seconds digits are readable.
8:48
